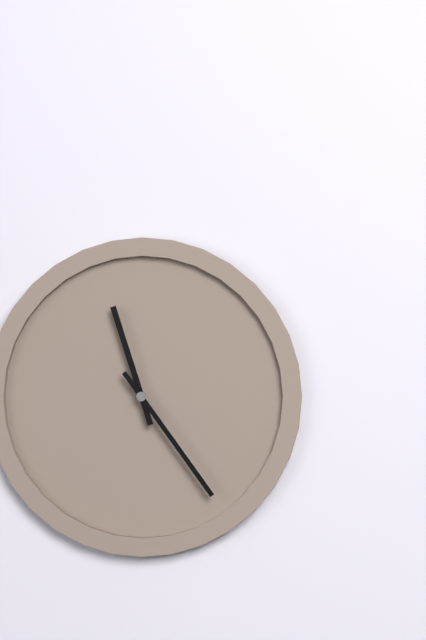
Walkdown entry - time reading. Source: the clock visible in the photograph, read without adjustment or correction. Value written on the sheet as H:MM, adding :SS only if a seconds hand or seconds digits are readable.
11:24
